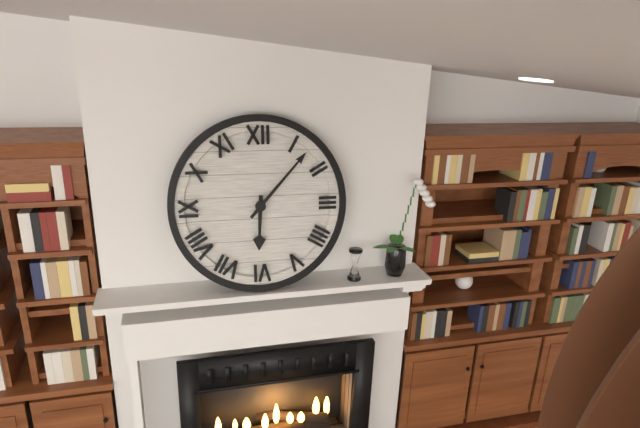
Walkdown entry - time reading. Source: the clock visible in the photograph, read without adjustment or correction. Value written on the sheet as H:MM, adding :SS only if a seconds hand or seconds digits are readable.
6:07
